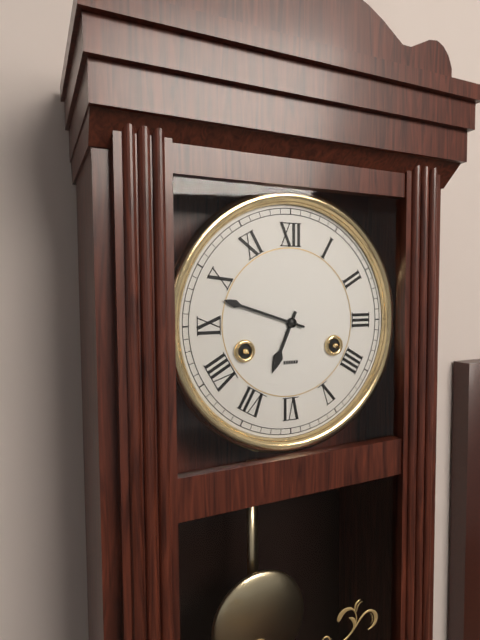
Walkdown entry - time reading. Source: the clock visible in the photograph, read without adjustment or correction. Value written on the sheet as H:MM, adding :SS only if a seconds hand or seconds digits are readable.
6:48
